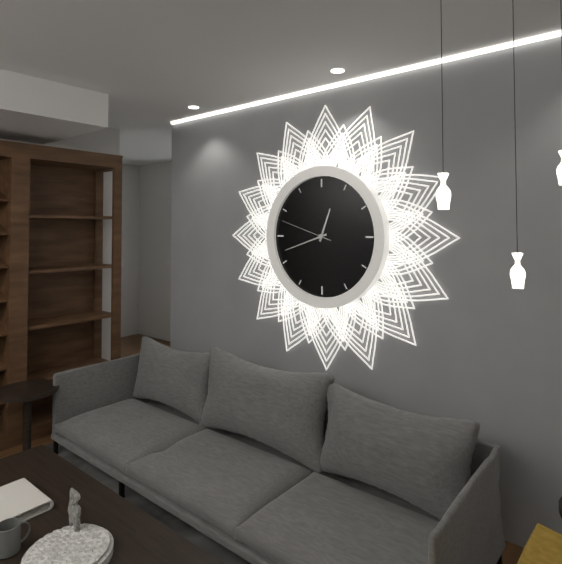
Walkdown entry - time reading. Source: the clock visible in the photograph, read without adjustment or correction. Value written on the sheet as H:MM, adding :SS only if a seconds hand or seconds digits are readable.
12:42:48
